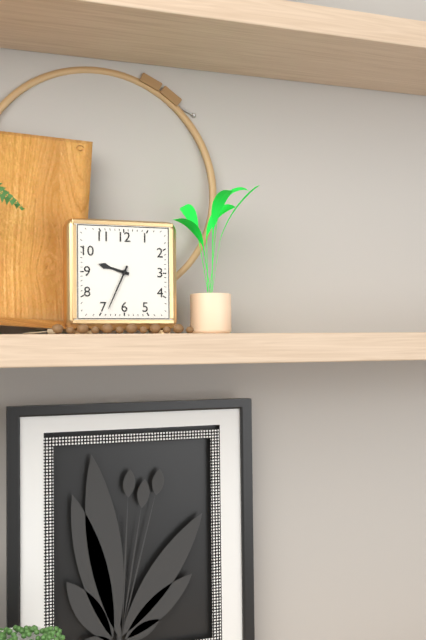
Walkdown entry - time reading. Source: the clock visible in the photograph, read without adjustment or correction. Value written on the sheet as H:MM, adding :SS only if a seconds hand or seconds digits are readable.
9:34
